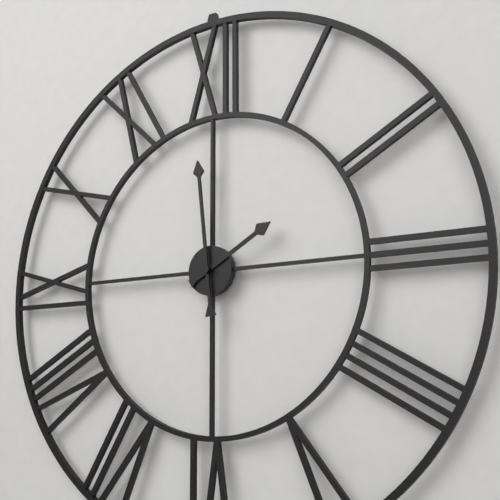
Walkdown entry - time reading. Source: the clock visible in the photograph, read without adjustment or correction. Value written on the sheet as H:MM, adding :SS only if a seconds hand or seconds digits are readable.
1:59
